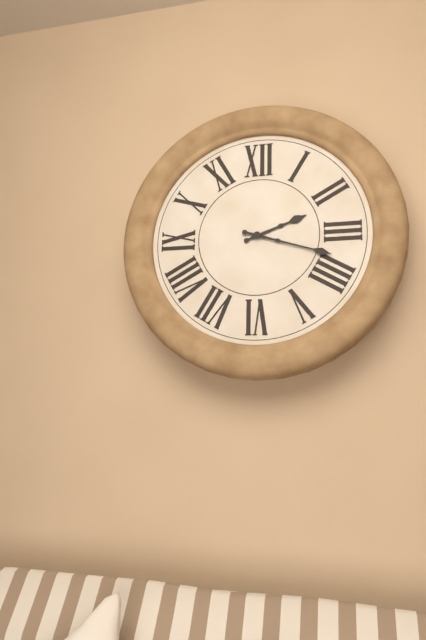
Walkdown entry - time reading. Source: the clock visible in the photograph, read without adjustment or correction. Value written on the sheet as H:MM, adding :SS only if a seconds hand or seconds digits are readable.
2:18
